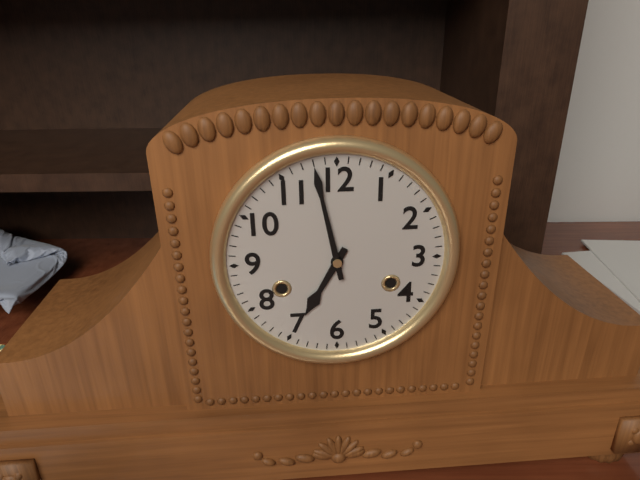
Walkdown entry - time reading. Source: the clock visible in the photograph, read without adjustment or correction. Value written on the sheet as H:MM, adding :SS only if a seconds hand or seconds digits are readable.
6:58
